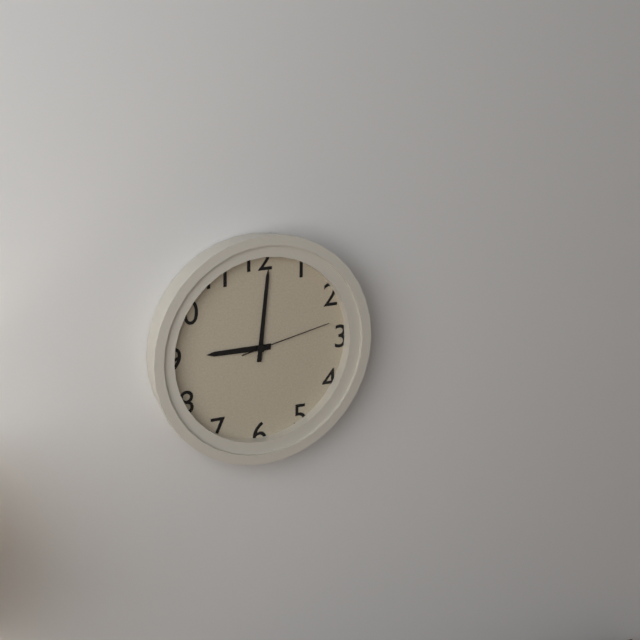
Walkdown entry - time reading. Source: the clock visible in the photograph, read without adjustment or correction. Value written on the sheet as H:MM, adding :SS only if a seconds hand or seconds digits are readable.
9:01:13
